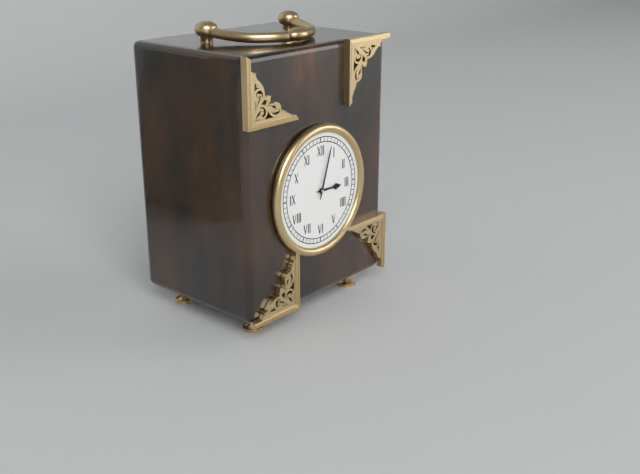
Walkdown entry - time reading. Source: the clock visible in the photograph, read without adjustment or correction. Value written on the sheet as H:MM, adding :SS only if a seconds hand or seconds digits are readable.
3:03
